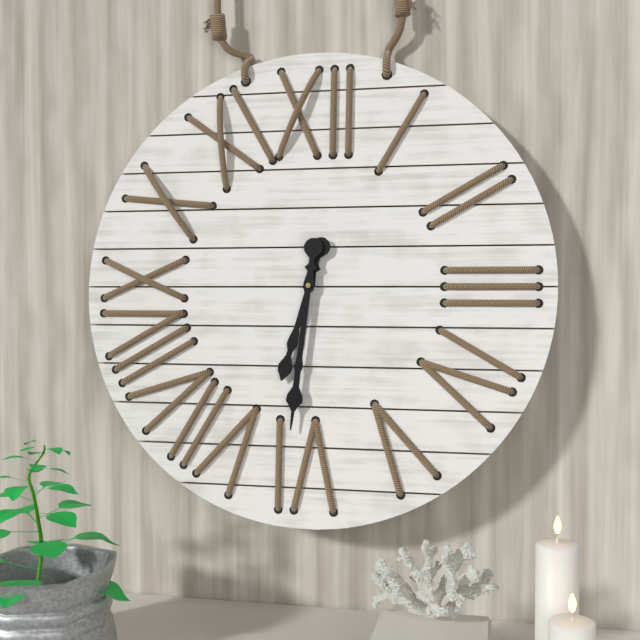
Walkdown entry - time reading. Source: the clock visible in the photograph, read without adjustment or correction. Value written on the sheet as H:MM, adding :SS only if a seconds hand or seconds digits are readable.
6:31
